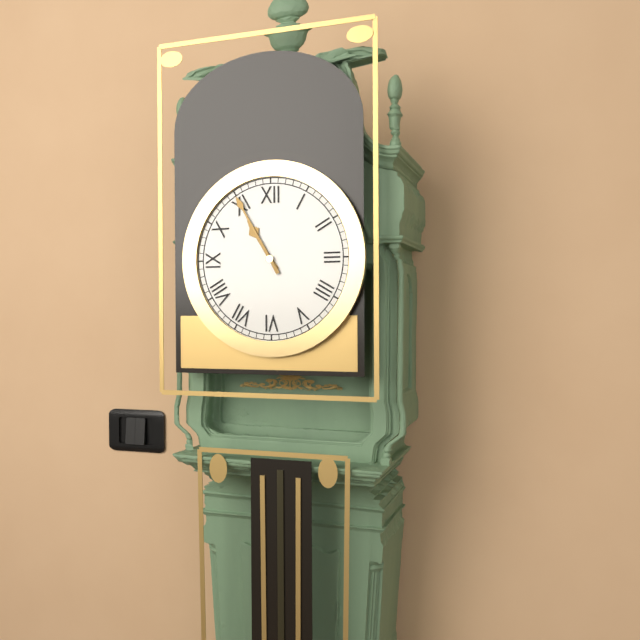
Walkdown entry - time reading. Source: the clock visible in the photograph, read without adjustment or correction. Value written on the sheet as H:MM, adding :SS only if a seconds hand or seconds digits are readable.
10:55
